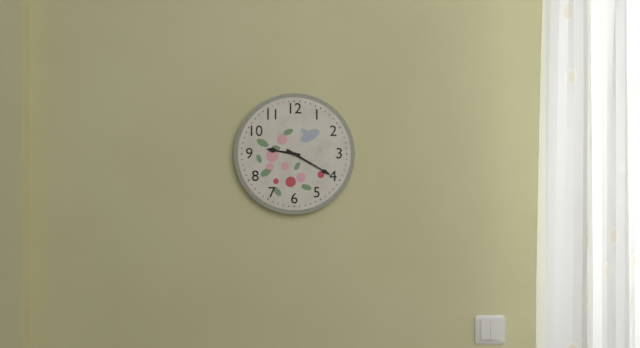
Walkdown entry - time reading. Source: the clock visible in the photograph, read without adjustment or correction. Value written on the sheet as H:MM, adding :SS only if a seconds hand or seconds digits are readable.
9:20
